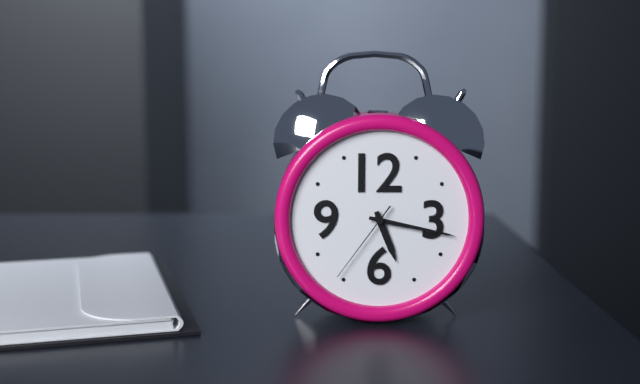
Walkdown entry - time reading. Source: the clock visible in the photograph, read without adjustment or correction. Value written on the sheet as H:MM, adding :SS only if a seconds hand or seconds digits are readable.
5:17:36
